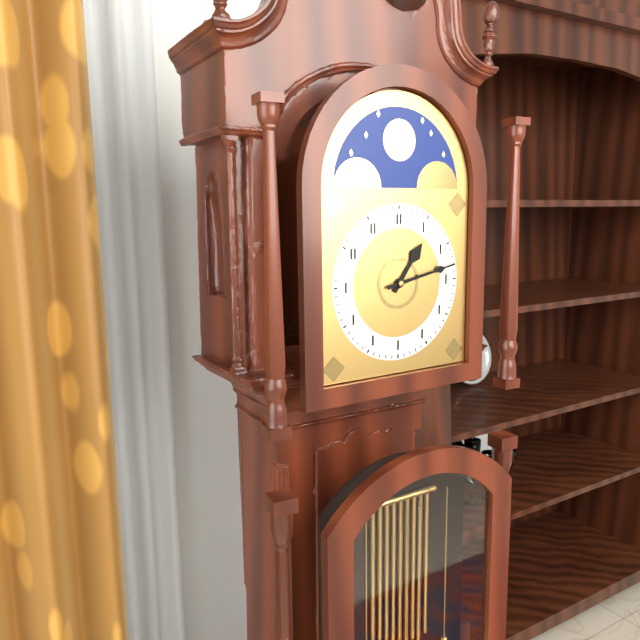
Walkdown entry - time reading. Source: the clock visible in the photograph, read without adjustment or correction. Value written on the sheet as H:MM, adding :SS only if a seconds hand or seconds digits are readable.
1:13
